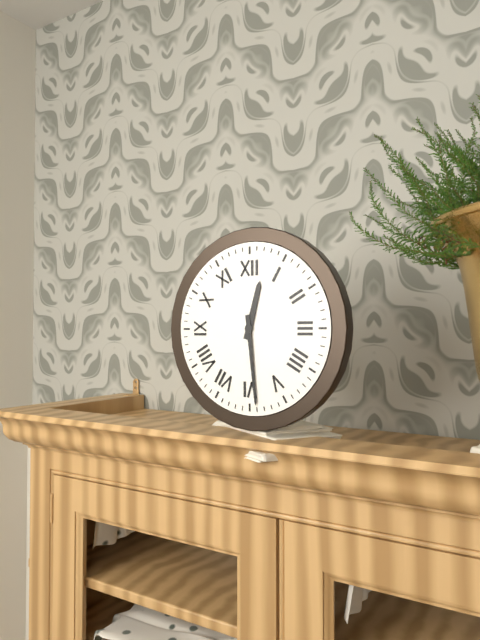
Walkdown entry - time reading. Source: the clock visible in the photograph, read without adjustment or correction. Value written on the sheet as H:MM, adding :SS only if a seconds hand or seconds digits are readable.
12:29
